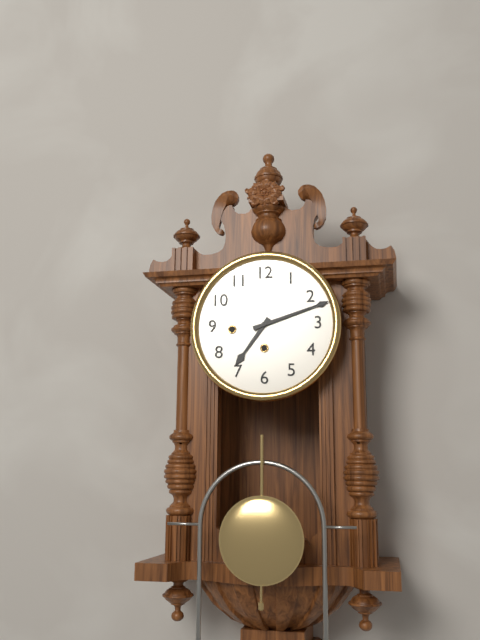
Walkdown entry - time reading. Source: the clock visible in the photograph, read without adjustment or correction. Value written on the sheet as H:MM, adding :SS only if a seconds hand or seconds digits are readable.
7:12
